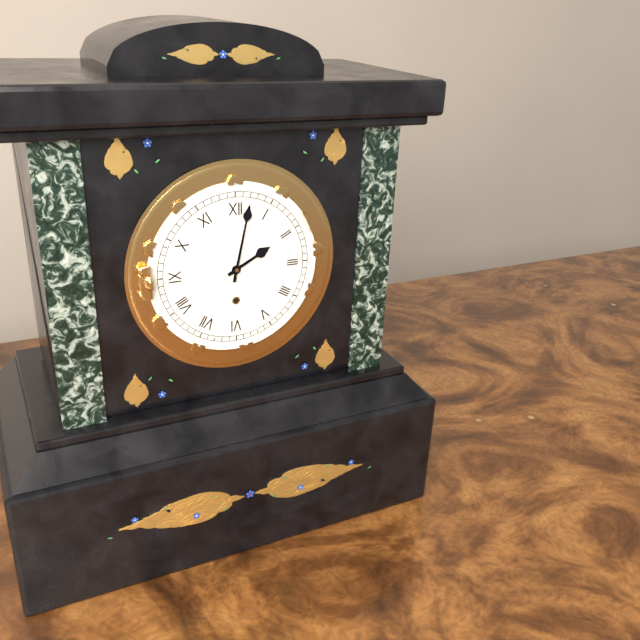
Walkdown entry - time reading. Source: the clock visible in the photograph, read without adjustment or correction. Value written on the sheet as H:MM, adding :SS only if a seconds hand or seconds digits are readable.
2:02
